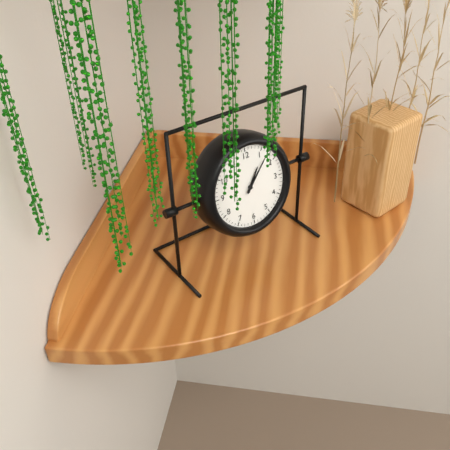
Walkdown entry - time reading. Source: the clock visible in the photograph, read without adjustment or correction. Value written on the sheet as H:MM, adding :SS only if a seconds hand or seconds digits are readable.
1:07
